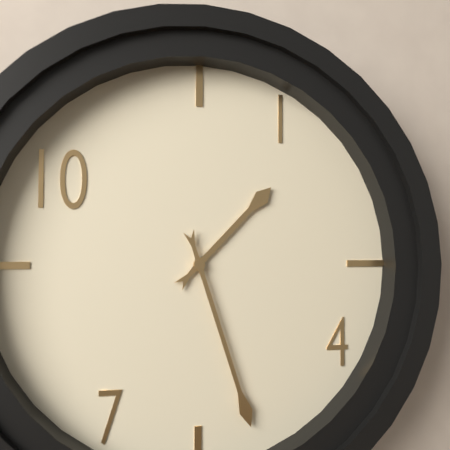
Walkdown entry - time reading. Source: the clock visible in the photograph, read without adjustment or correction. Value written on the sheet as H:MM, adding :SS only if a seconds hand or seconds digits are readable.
1:27
